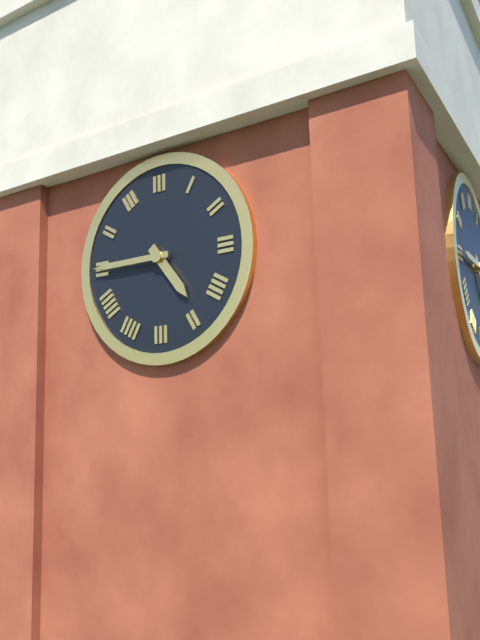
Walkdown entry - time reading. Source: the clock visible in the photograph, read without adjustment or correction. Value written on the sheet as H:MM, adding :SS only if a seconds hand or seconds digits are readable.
4:45
